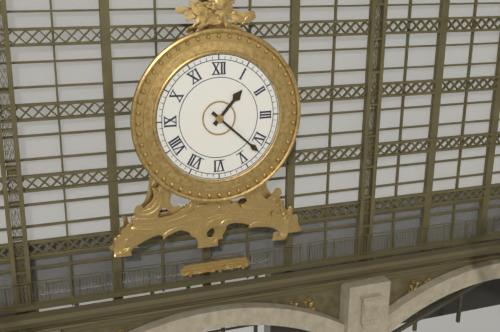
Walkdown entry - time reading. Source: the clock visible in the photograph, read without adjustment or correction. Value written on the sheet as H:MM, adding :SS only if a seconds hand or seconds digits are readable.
1:22
